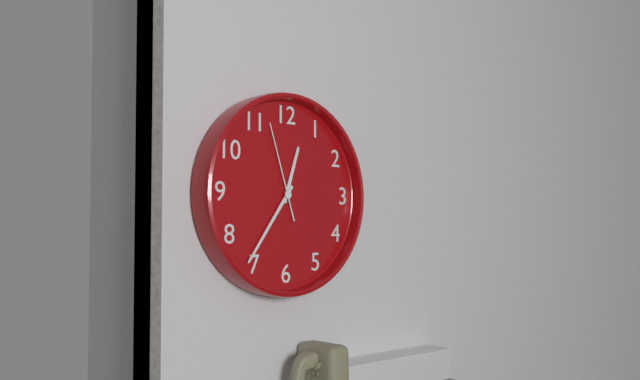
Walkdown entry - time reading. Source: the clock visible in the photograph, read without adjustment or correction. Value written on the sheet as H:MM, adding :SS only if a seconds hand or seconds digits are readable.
12:36:57
